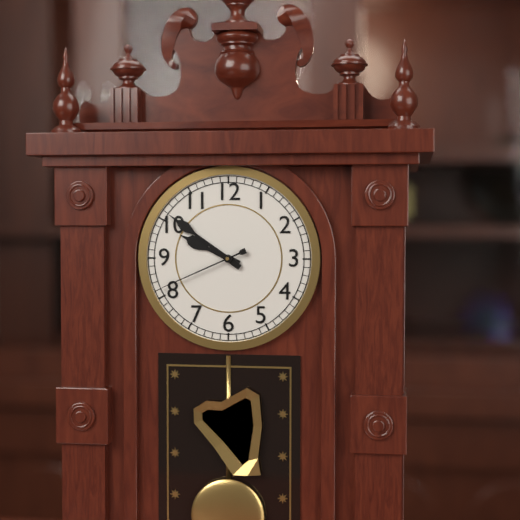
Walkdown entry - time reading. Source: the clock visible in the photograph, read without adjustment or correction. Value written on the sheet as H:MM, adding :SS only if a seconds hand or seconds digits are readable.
9:51:41
